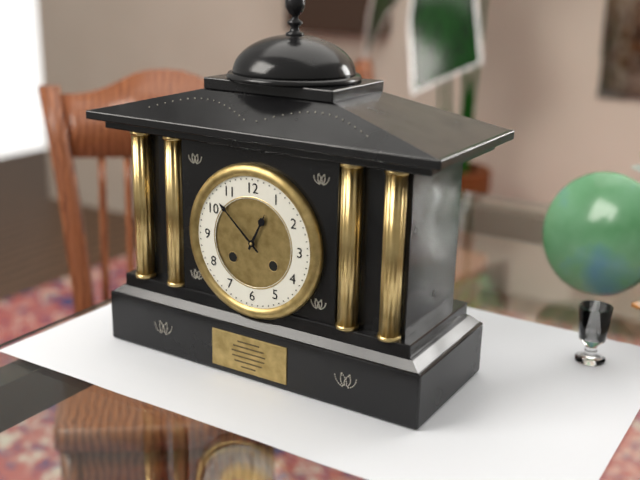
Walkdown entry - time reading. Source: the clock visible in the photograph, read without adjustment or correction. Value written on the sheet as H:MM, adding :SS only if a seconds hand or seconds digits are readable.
12:52
